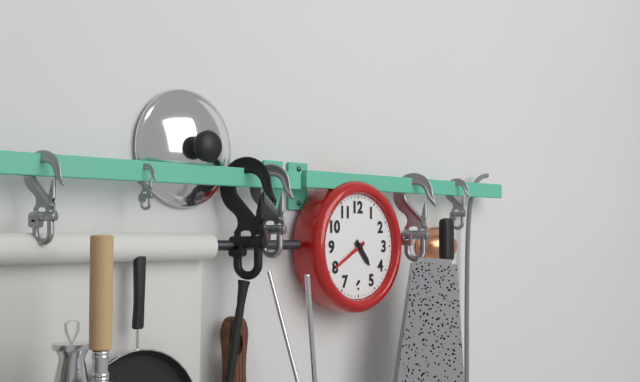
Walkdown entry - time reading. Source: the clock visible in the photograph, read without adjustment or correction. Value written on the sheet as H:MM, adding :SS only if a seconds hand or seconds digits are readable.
4:40
